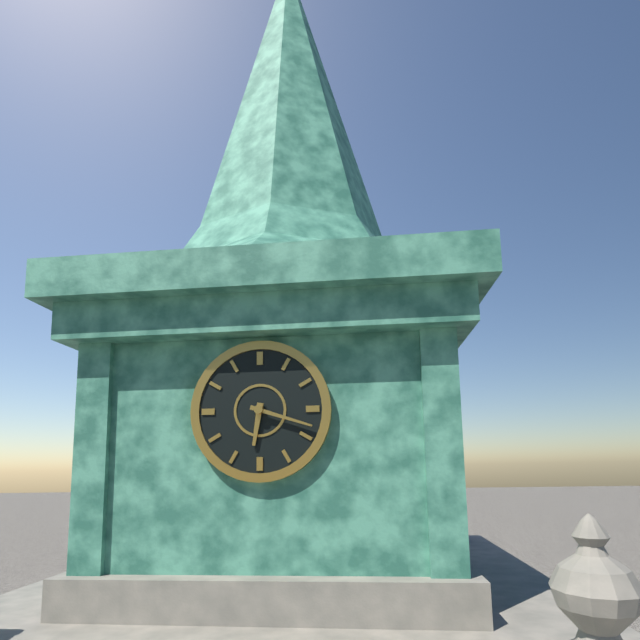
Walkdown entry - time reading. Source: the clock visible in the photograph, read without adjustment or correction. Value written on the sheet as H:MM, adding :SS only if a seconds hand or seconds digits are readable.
6:18
